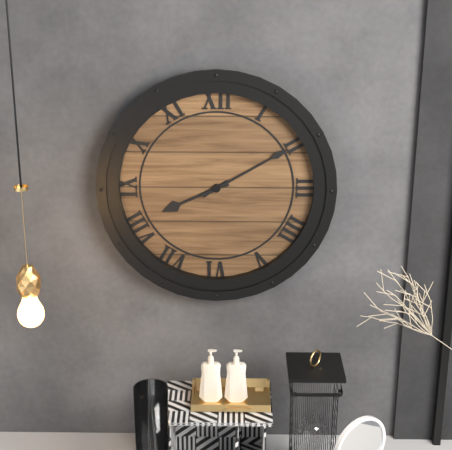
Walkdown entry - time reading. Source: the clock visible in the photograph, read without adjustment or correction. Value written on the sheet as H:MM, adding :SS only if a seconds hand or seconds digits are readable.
8:10
